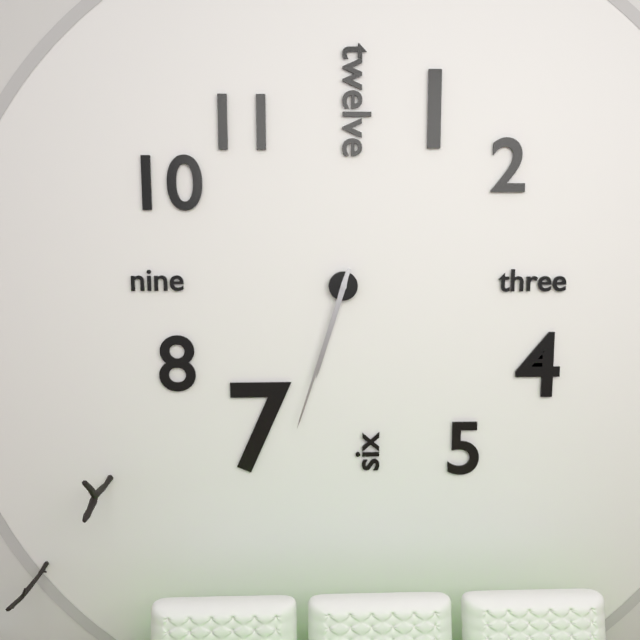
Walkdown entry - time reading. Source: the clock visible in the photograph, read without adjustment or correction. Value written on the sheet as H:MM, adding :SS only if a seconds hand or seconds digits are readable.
6:33
